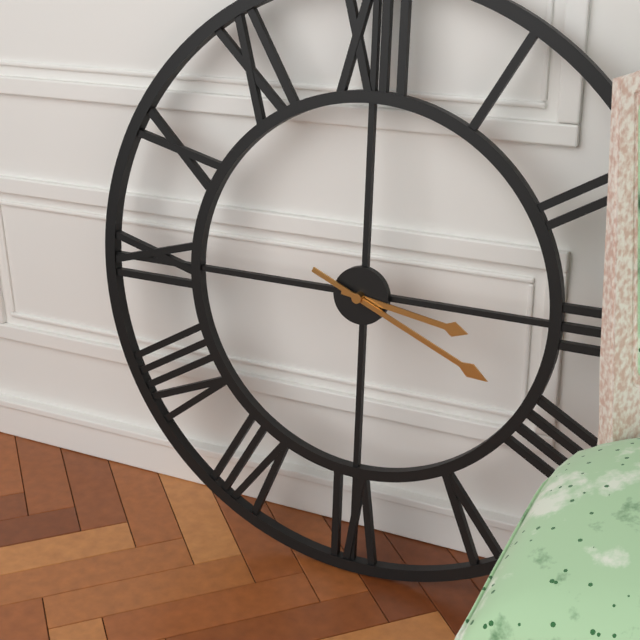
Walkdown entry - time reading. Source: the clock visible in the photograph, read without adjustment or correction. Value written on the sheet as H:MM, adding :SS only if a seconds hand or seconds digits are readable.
3:19
